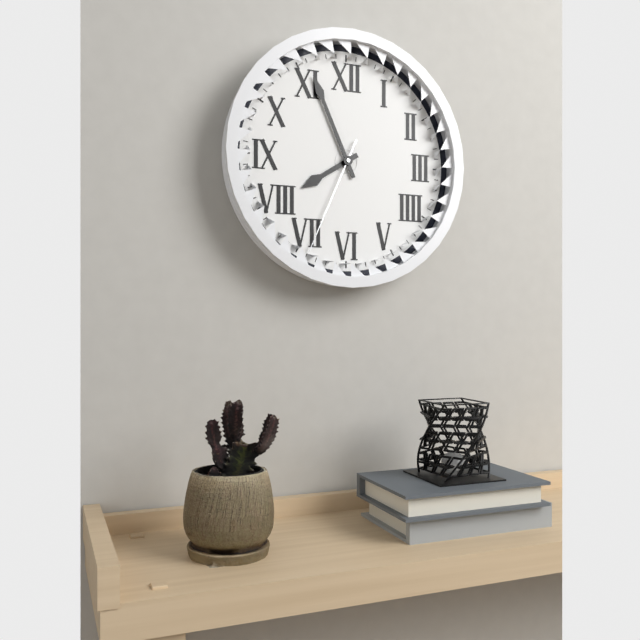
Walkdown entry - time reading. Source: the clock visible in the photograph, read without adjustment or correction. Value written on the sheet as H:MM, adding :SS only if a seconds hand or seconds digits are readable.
7:56:34
